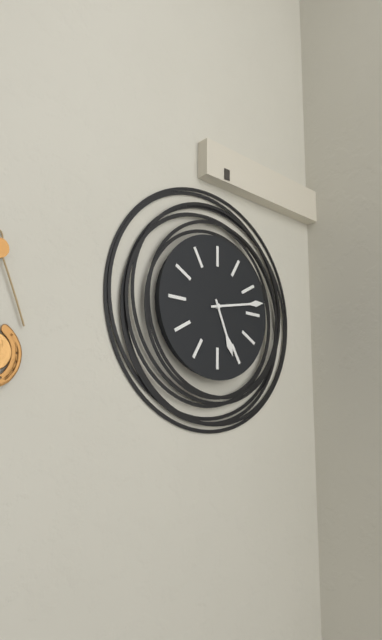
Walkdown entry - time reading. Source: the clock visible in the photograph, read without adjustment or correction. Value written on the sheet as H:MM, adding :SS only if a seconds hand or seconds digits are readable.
5:13
